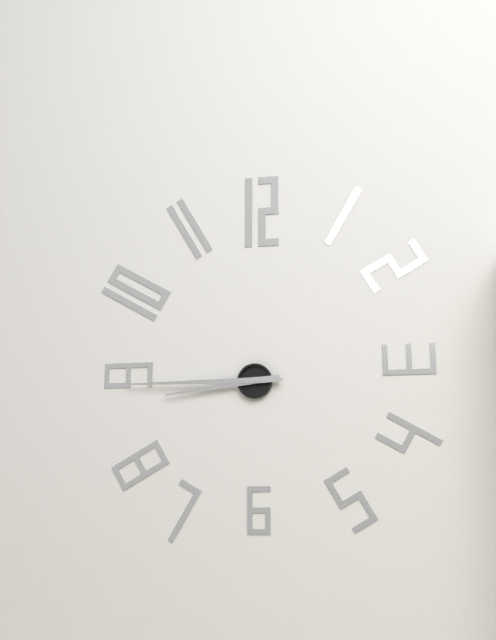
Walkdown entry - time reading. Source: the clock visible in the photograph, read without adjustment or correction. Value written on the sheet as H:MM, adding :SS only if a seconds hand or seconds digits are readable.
8:45
